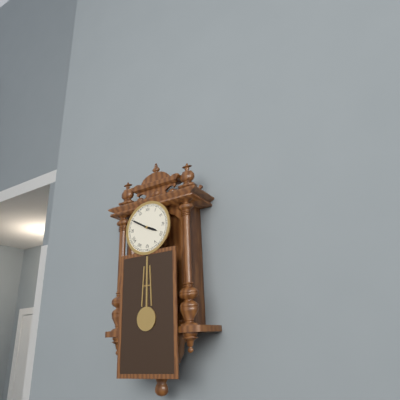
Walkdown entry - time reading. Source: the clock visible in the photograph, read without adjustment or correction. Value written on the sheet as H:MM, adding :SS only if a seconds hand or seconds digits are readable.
3:50
